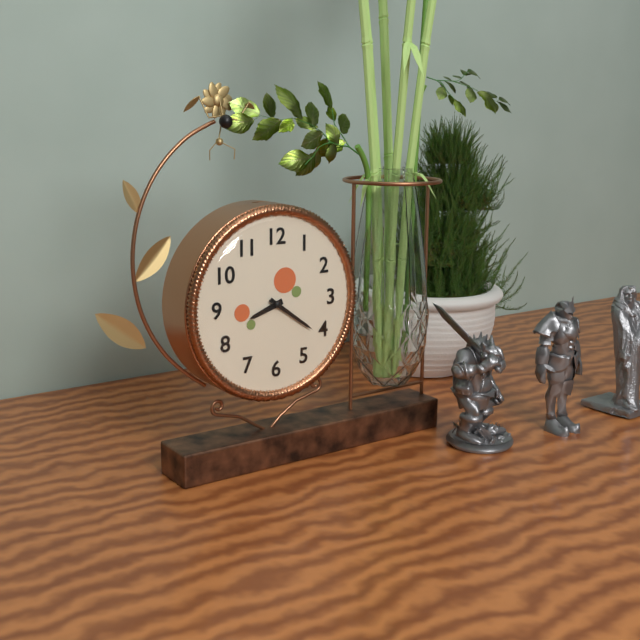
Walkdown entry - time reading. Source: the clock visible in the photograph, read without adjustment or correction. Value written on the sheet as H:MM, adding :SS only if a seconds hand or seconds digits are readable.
8:21
